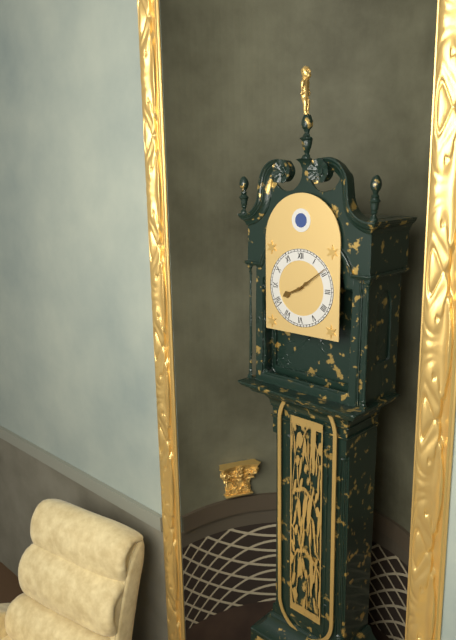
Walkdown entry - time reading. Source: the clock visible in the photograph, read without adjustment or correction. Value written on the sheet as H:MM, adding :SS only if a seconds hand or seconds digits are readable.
8:09
